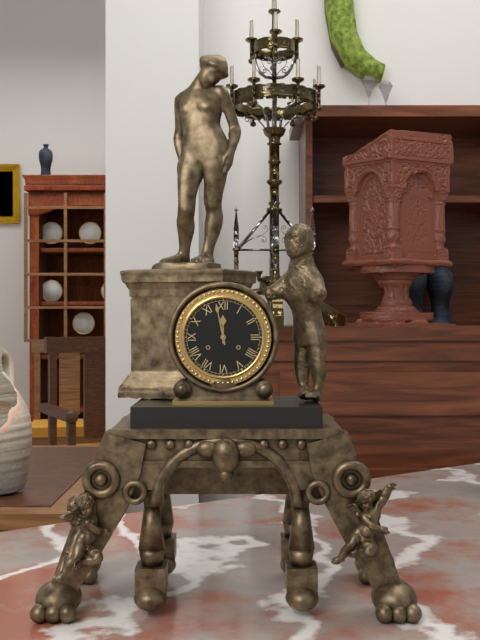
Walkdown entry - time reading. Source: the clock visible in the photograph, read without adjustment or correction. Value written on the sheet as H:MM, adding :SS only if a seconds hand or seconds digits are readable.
11:58
